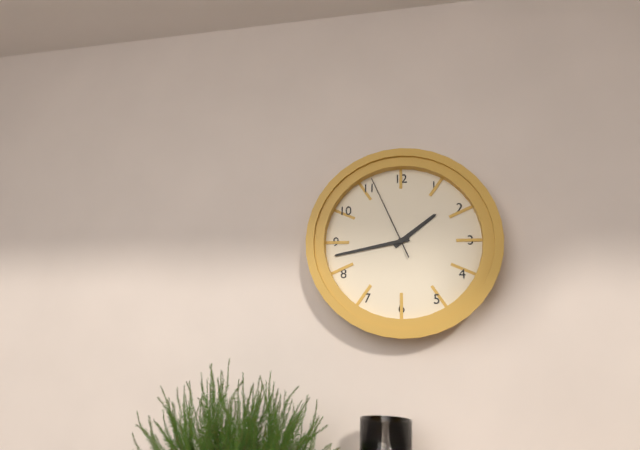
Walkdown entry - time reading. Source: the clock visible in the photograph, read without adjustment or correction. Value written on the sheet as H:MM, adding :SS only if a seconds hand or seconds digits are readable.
1:43:56
